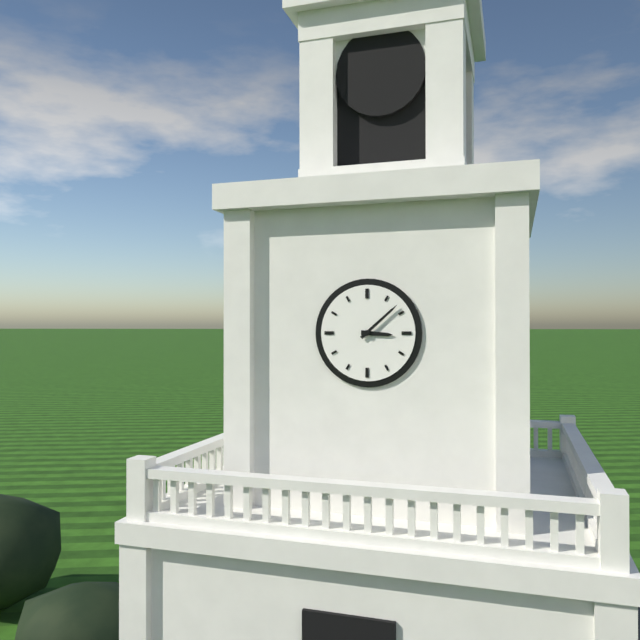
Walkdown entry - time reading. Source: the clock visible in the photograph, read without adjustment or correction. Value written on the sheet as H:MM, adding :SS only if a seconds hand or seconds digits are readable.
3:08
